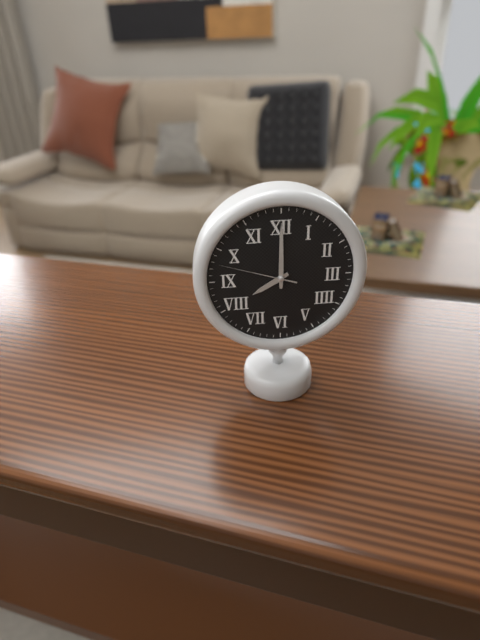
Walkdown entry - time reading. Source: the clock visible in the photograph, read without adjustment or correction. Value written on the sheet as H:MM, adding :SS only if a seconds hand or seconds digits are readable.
8:00:48
